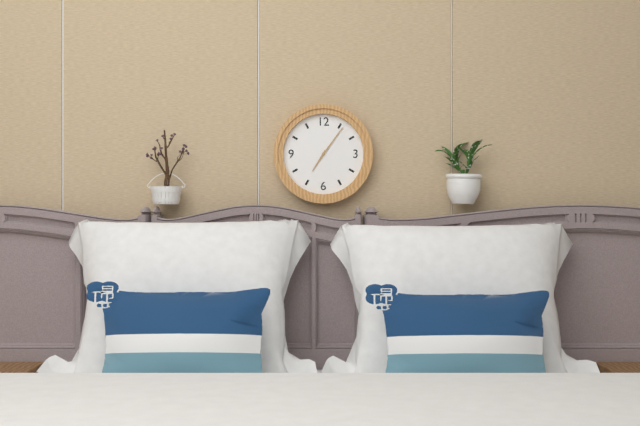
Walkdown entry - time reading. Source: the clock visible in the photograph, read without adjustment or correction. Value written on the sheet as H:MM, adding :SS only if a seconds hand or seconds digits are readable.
7:06
